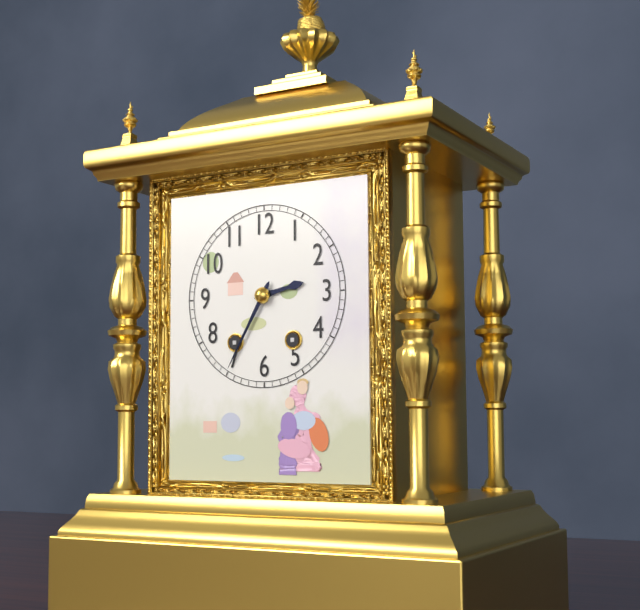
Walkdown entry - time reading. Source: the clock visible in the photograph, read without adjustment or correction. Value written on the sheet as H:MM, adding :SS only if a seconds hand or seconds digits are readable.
2:35
